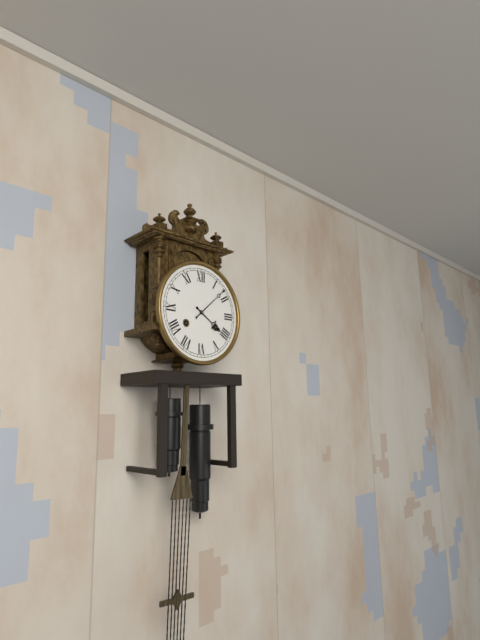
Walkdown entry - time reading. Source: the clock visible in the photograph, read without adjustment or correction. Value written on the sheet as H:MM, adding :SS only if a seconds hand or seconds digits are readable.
4:08
